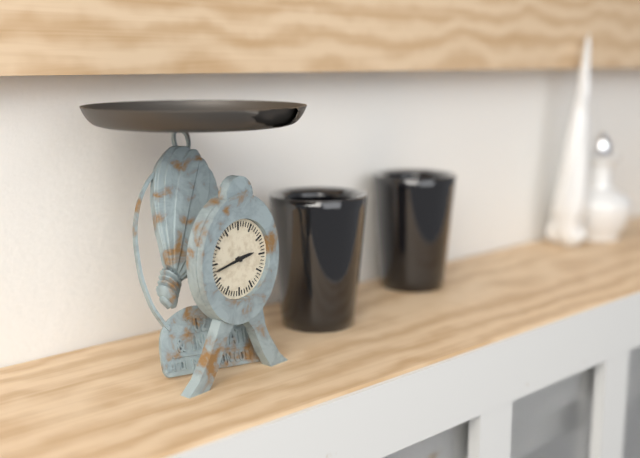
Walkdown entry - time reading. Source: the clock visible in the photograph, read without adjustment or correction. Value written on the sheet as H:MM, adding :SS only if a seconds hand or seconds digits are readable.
2:43
